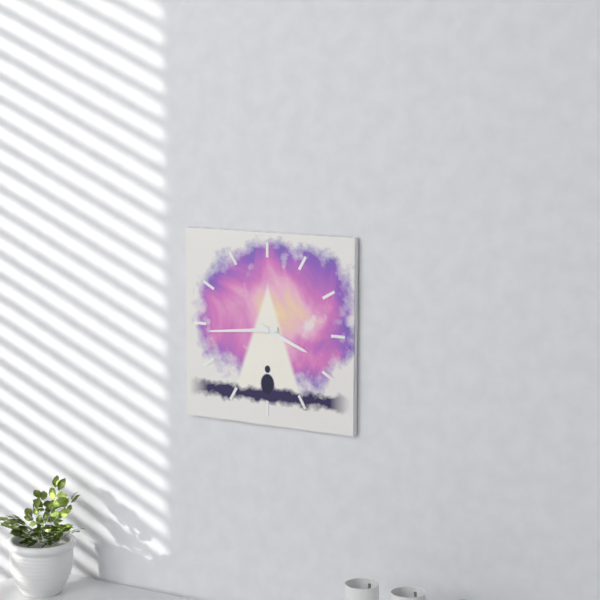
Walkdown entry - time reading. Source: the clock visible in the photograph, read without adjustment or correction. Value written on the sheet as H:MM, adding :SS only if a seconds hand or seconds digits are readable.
3:44
